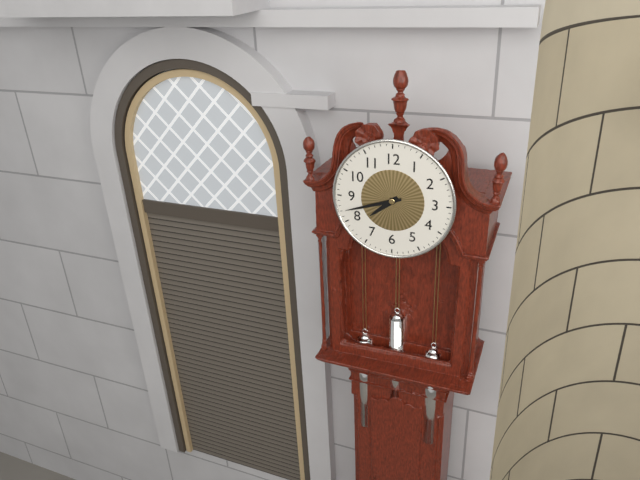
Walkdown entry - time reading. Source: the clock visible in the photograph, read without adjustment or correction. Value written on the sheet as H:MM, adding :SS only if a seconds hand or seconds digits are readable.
7:42
